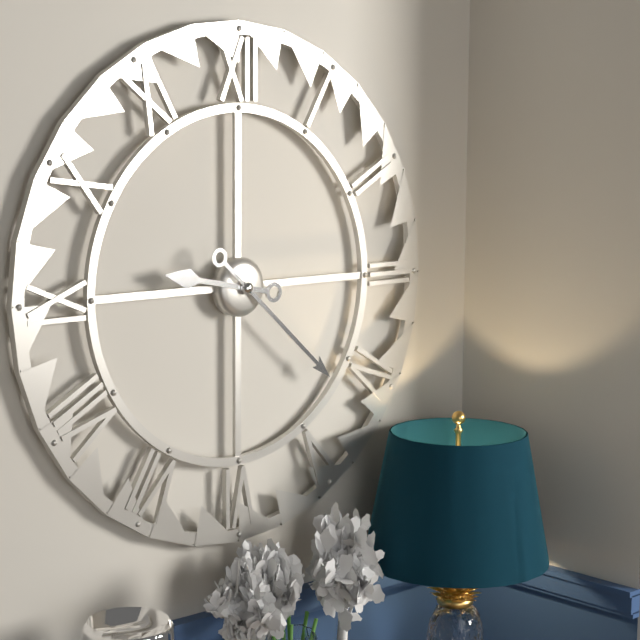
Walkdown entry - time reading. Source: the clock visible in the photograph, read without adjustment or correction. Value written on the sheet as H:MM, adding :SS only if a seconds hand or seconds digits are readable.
9:22
